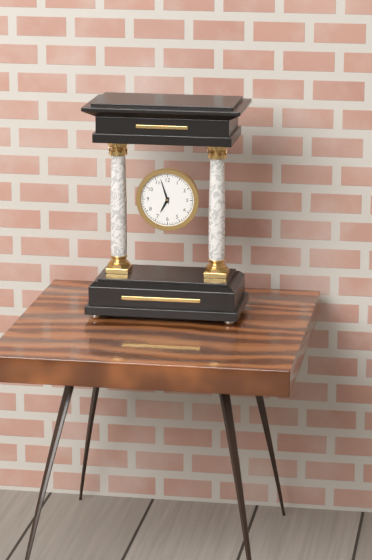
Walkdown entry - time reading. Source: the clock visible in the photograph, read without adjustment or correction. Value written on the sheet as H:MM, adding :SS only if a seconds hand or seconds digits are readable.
6:57
